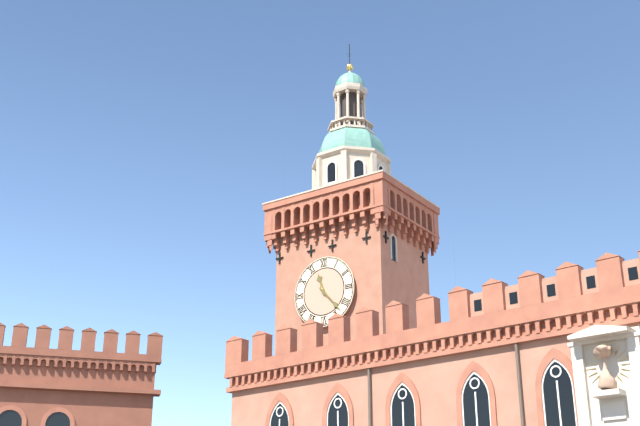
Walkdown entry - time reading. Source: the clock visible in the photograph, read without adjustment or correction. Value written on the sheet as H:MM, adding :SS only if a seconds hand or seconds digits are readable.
11:23
